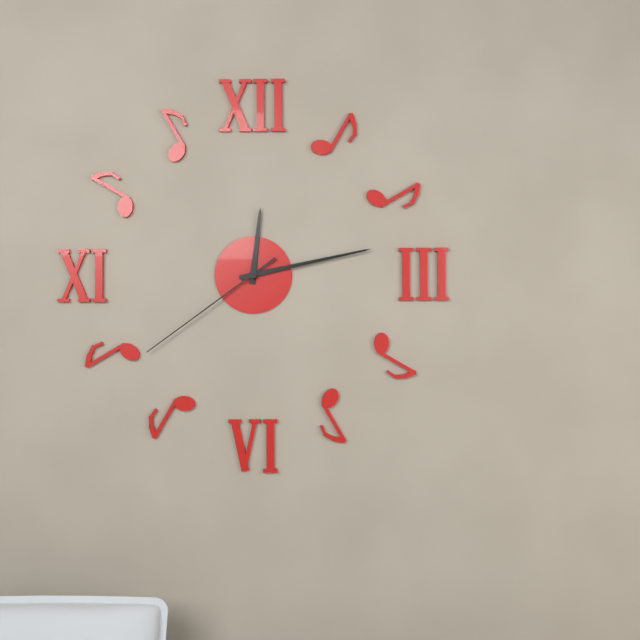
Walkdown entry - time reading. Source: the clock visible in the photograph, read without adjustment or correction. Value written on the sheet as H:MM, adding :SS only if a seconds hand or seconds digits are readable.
12:13:39
